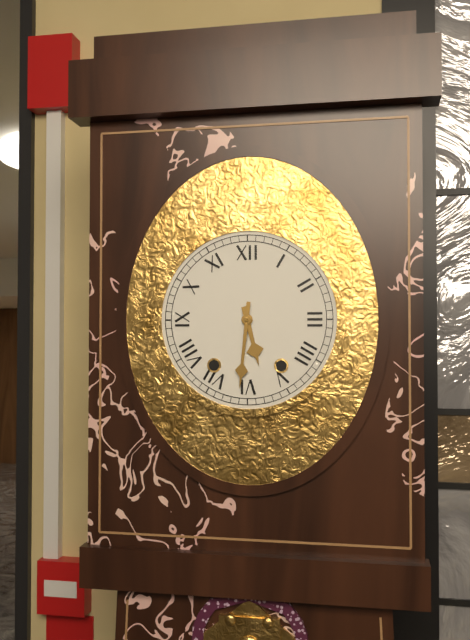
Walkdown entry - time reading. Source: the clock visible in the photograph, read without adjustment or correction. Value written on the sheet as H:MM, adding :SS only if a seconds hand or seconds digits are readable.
5:31
